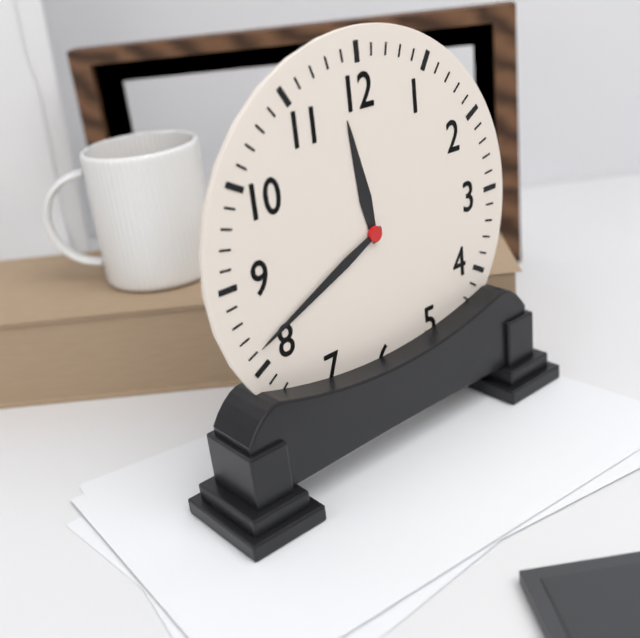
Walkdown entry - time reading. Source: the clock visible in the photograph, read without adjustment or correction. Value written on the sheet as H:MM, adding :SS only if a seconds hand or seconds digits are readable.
11:41
